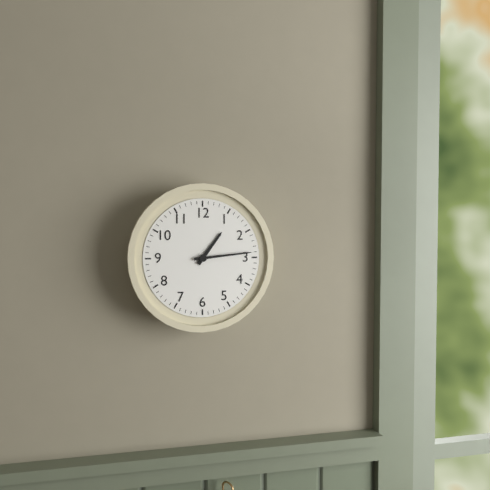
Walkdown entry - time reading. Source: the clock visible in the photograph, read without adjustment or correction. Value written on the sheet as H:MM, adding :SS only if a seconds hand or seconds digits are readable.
1:14
